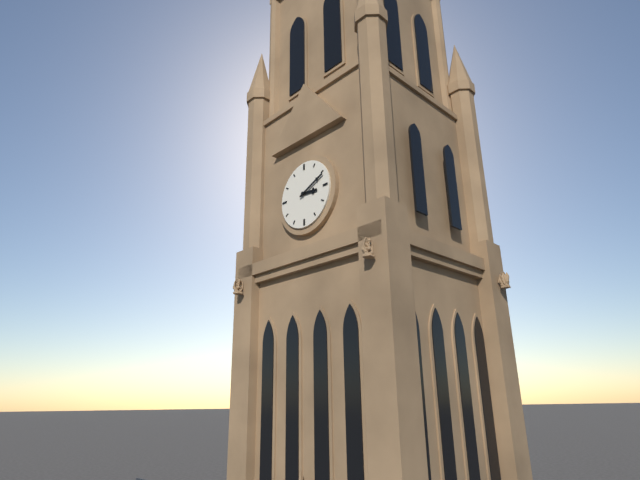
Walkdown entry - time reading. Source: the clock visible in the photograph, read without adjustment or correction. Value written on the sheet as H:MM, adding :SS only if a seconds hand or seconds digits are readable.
3:11
